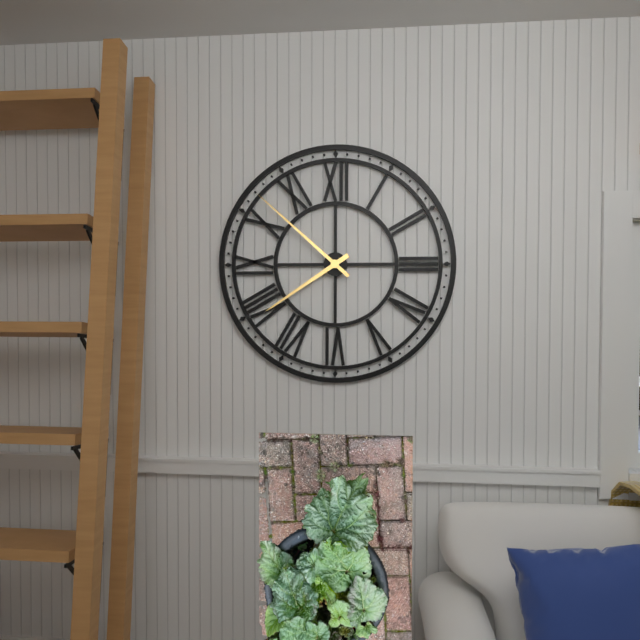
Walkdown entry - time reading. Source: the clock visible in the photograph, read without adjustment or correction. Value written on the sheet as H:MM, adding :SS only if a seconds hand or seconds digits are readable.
7:52
